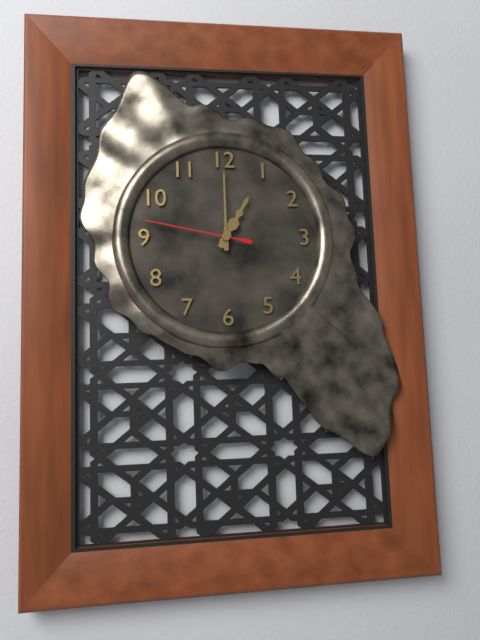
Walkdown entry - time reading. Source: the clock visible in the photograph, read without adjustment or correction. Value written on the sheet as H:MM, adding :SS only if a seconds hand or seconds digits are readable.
1:00:47
